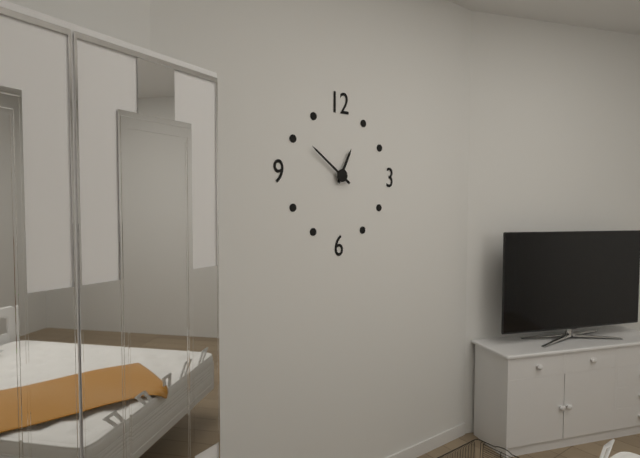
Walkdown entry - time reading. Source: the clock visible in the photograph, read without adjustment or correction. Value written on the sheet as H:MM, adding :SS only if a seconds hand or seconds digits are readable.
12:51
